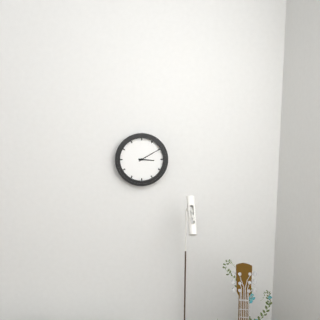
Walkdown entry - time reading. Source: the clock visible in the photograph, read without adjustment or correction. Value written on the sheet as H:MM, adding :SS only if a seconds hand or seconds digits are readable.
3:10
